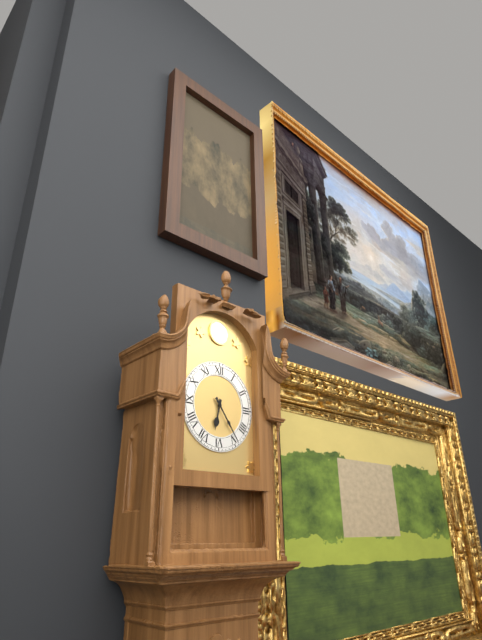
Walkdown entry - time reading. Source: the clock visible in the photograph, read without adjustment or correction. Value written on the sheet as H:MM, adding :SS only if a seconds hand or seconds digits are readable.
6:24
